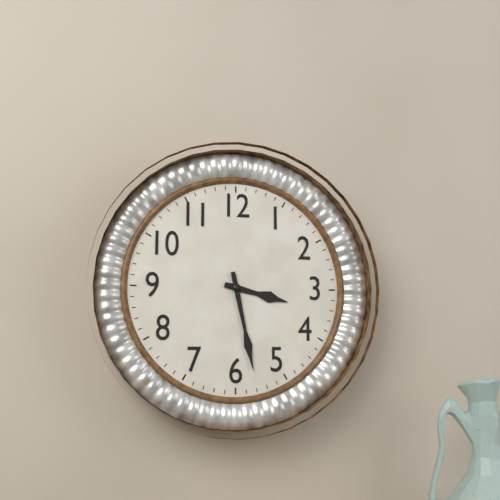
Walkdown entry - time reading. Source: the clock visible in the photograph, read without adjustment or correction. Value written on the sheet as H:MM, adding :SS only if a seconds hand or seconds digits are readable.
3:28
